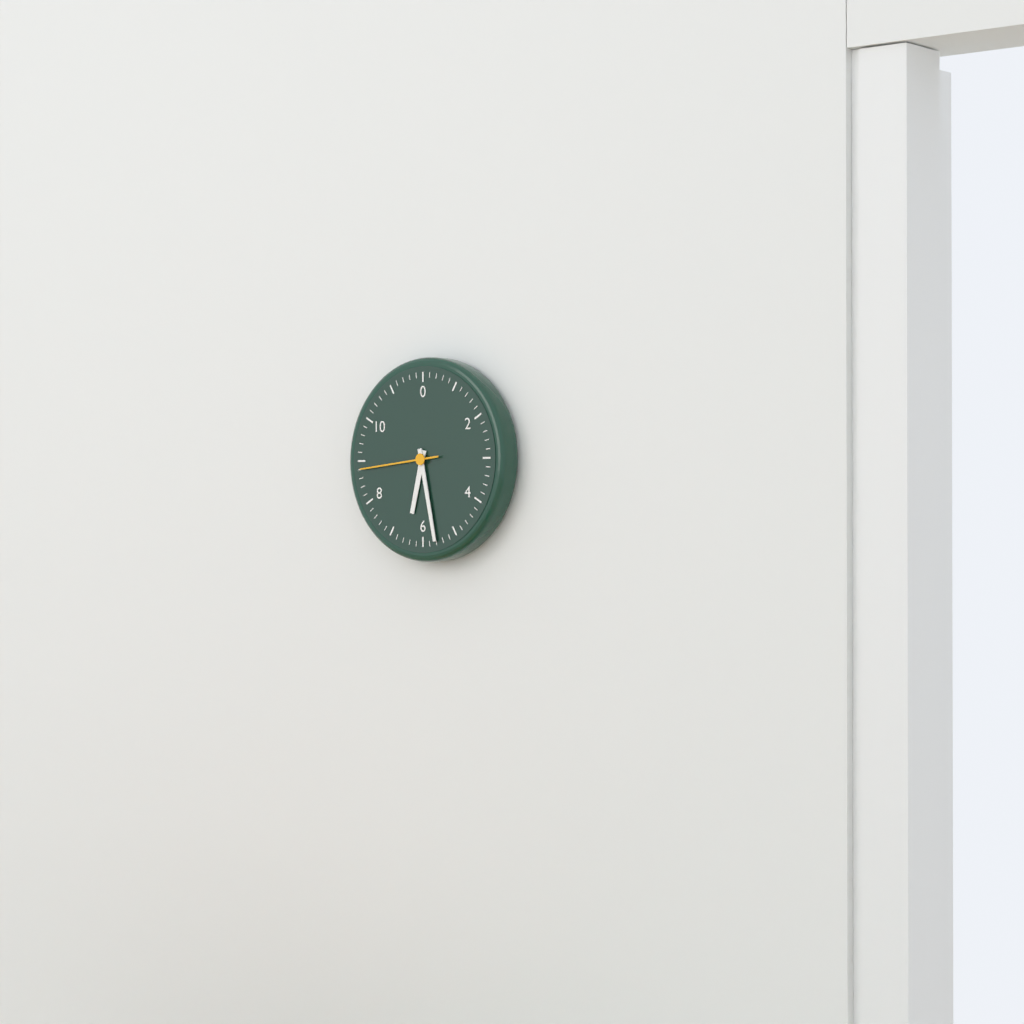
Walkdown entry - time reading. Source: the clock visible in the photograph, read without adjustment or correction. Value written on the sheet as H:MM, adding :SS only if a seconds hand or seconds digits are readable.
6:28:44
